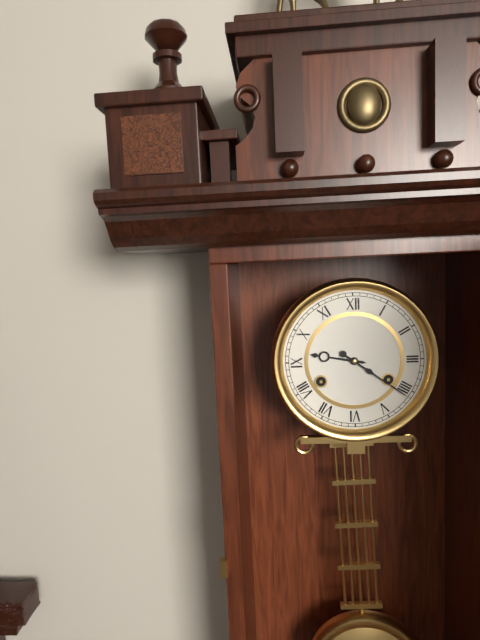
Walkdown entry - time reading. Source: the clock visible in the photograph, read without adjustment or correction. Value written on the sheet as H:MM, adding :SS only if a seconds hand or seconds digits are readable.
9:21
